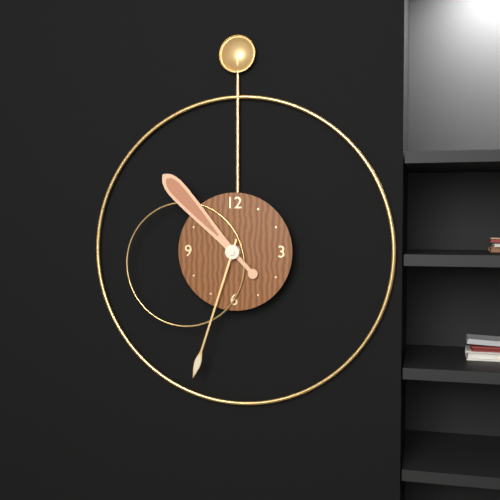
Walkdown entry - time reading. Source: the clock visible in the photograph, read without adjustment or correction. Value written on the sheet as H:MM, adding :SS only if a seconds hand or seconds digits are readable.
10:33
